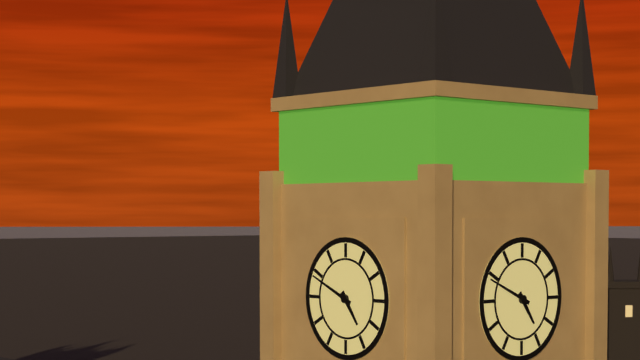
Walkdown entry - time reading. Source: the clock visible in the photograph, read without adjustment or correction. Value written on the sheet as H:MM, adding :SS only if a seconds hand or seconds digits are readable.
4:49
